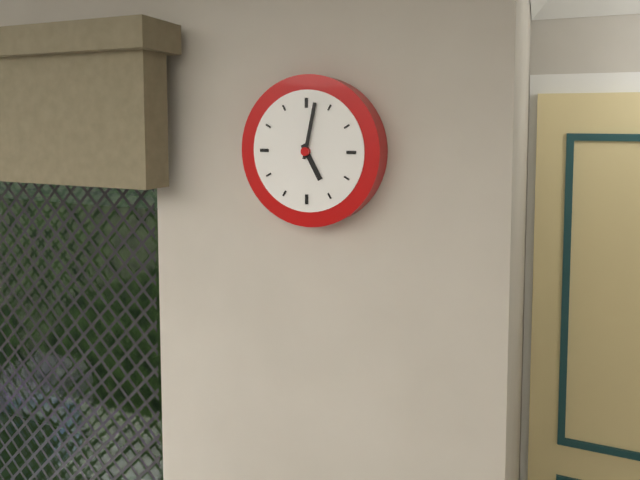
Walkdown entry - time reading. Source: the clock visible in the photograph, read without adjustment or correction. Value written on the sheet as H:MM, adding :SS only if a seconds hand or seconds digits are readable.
5:02
